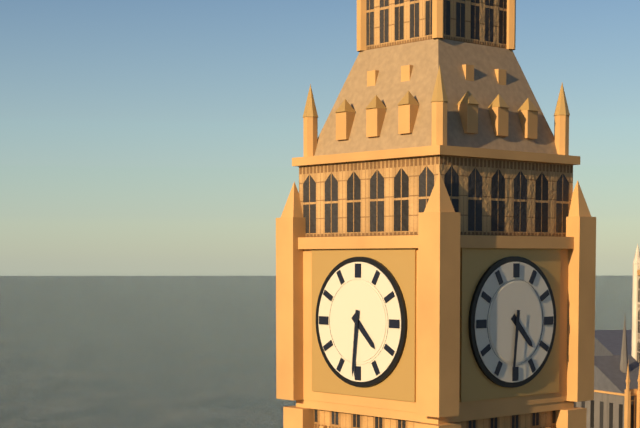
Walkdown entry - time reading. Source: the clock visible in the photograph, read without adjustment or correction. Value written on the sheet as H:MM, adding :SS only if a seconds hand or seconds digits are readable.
4:31
